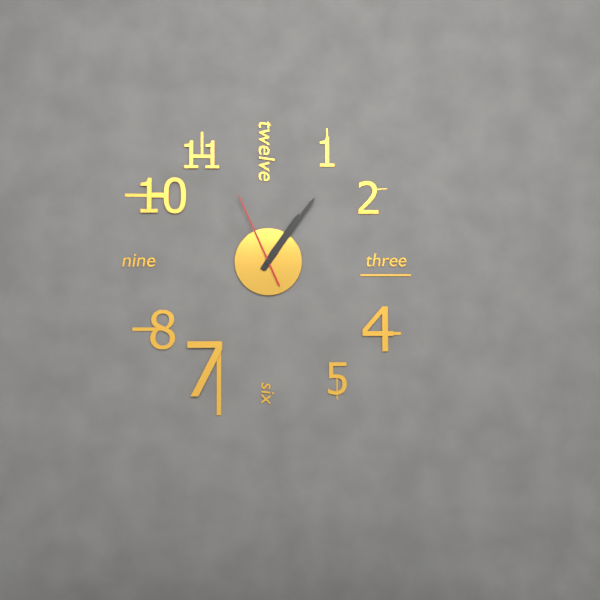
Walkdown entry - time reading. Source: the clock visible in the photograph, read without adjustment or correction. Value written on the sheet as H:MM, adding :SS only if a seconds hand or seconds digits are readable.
1:06:56
